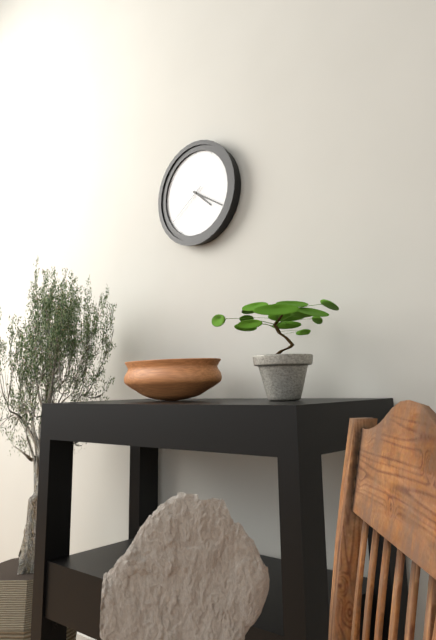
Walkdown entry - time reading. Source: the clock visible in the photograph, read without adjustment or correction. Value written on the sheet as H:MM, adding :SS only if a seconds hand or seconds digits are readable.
4:20:39
